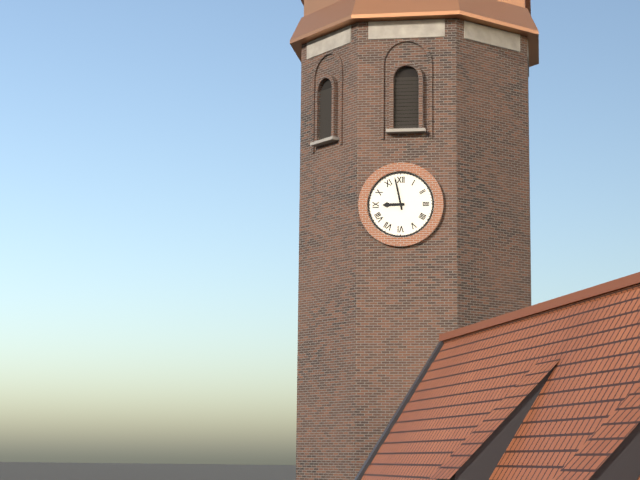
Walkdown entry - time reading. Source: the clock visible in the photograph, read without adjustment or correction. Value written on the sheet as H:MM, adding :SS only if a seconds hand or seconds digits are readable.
8:58
